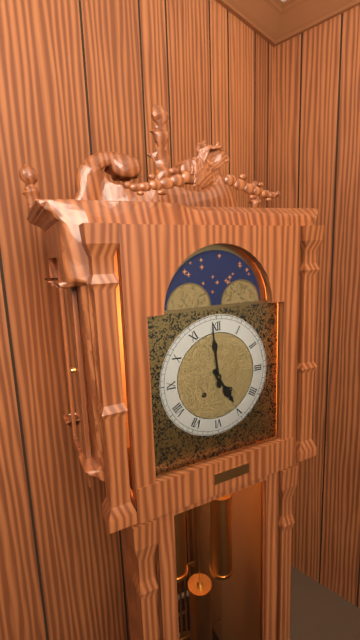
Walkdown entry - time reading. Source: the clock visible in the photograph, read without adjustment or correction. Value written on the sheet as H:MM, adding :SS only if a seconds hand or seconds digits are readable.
4:59
